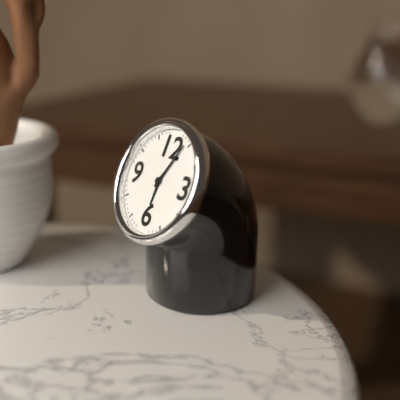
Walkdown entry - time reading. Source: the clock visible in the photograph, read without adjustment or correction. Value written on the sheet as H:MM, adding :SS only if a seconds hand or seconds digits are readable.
6:04
